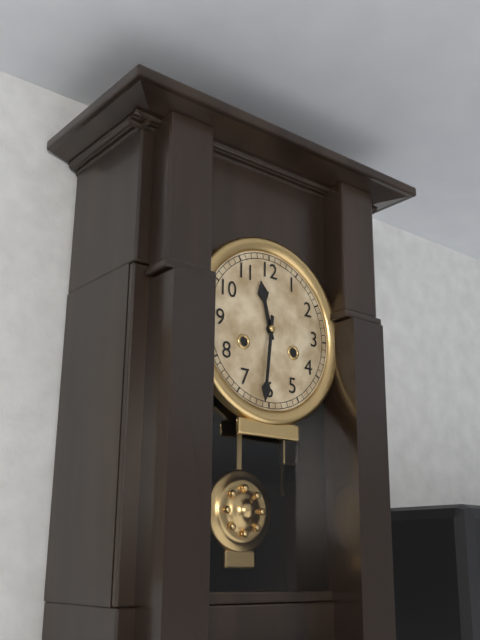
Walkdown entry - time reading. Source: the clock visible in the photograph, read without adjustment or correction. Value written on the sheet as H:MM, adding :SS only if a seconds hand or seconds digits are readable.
11:31
